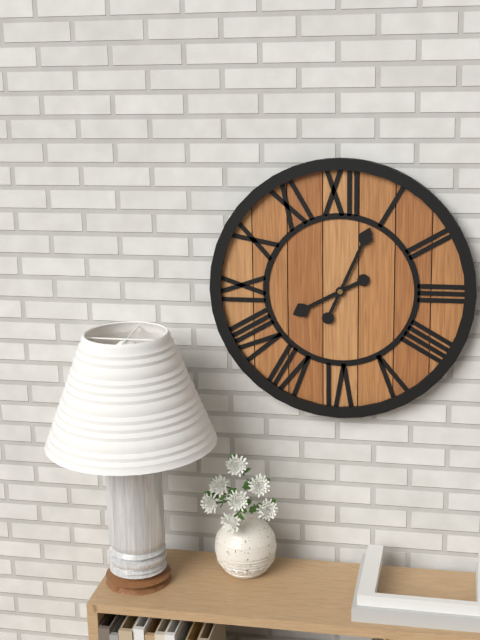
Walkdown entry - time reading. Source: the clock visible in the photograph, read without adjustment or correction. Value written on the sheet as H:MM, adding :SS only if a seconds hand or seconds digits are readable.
8:04
